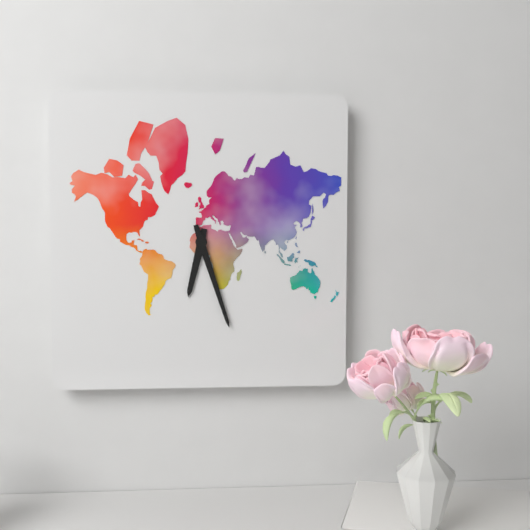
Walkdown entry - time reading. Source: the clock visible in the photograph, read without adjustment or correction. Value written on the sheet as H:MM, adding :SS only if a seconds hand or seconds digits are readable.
6:27
